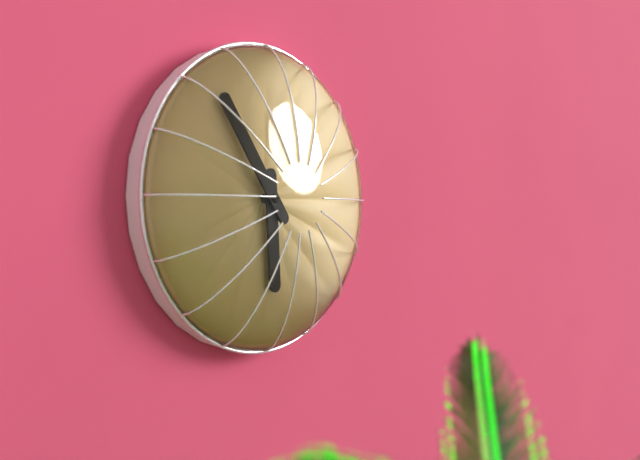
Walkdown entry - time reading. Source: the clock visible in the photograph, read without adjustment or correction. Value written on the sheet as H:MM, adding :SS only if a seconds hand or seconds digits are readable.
5:54
